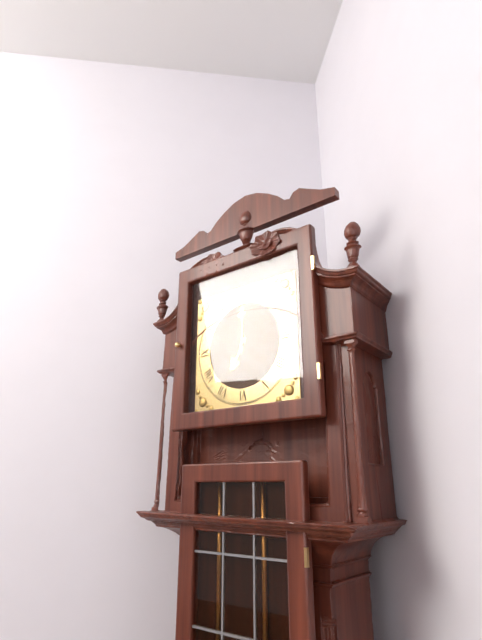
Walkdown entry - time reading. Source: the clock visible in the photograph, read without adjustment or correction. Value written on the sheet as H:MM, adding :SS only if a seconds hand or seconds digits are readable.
7:00
